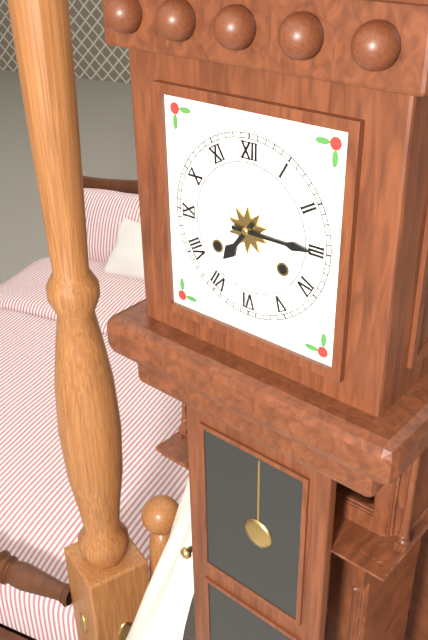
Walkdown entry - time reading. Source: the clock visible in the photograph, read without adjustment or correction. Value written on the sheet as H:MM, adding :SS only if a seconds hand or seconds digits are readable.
7:15
